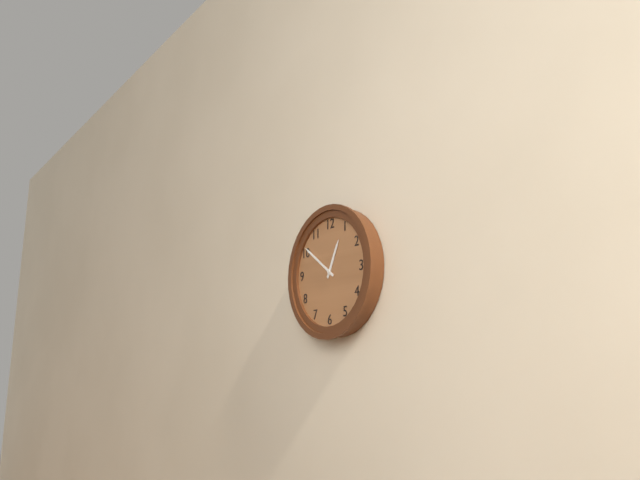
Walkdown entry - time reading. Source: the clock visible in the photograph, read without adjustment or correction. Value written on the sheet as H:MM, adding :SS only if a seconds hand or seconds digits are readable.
12:51
